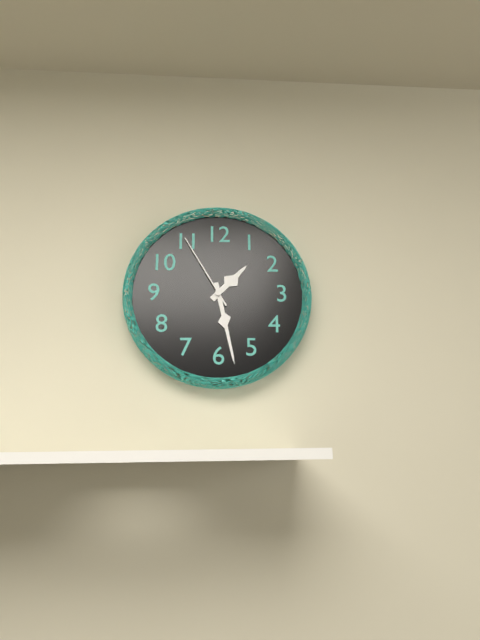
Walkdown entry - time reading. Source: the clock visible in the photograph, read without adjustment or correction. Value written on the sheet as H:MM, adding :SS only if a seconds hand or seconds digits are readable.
1:28:55
